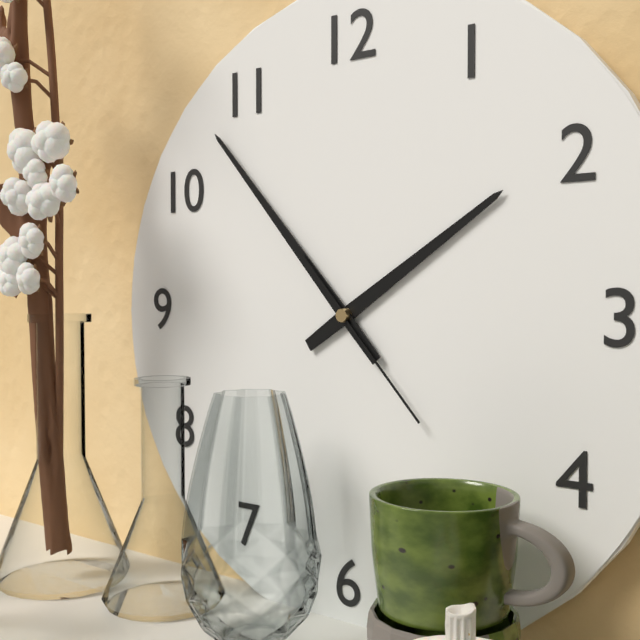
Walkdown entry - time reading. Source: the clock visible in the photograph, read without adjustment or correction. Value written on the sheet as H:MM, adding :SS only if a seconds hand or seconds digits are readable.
1:53:23
